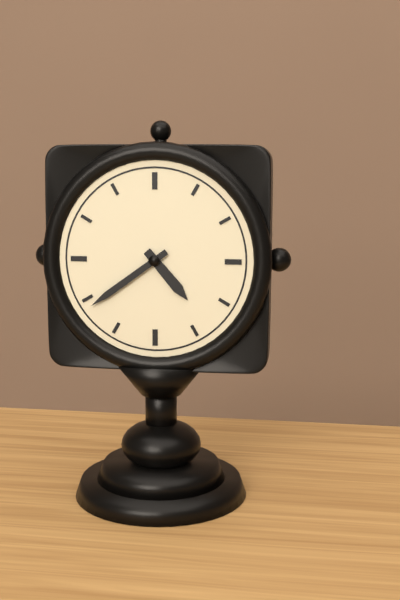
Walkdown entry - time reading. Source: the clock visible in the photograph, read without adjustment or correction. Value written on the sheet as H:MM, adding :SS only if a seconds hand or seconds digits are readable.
4:39
